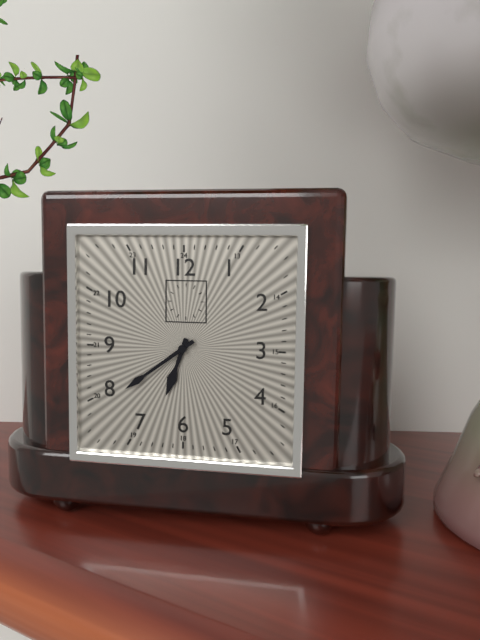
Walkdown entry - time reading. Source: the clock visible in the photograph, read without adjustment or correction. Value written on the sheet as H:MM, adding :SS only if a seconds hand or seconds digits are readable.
6:39
